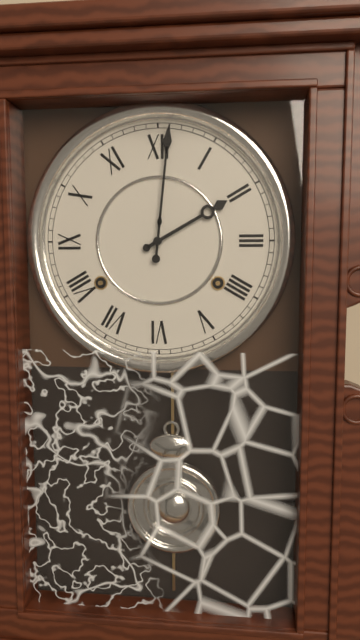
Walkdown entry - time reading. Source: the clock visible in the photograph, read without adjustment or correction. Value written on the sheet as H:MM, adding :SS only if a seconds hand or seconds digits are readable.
2:01
